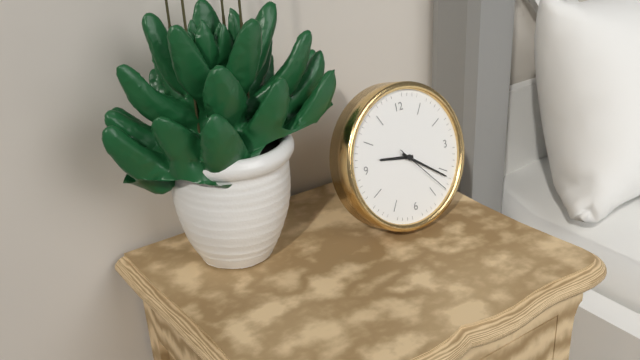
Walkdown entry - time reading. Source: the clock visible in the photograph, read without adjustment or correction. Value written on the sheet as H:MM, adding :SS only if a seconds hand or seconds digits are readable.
9:21:23
